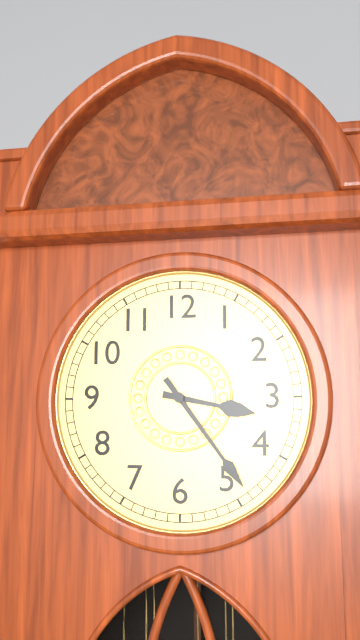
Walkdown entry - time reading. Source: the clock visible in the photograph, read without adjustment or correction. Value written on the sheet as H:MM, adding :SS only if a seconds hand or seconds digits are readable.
3:24
